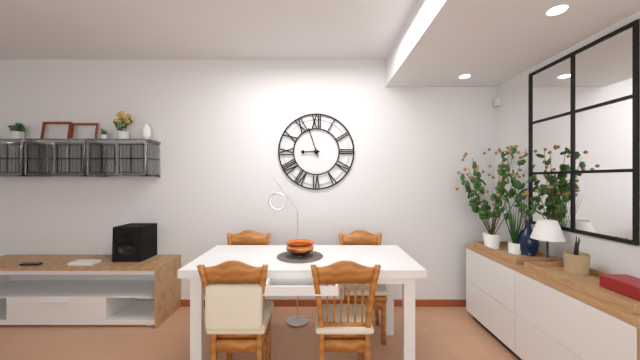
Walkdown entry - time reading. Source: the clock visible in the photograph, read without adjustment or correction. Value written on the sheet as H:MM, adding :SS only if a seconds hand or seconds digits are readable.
8:57
